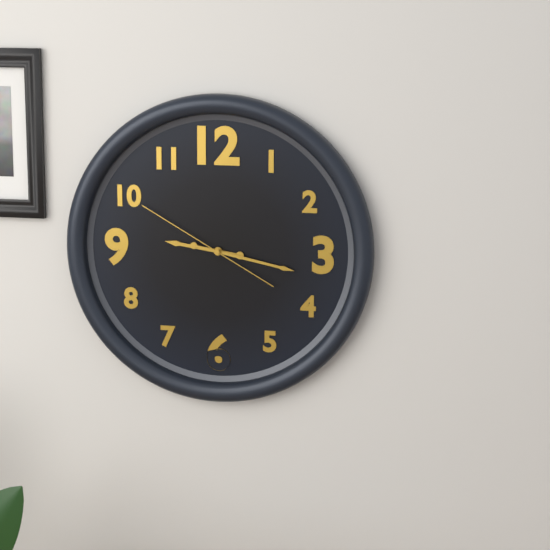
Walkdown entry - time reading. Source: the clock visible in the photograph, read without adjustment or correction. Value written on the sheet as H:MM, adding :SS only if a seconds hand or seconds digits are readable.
9:17:50
